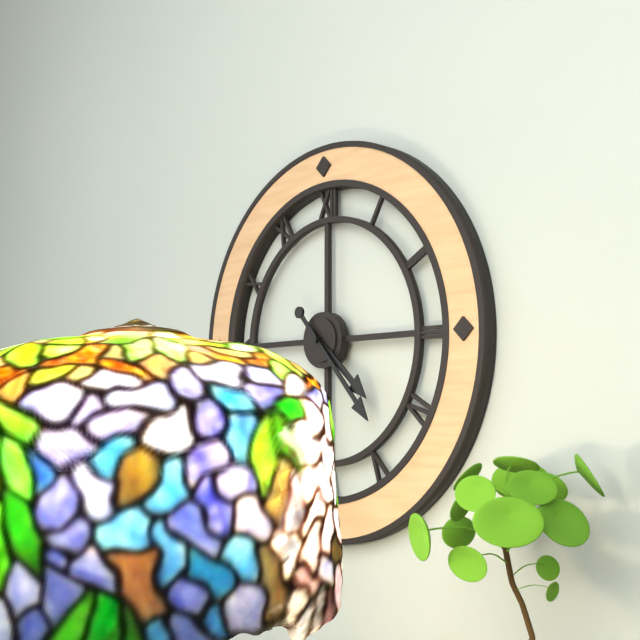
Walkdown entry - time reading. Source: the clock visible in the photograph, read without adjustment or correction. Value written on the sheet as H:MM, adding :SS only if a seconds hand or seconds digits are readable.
4:23
